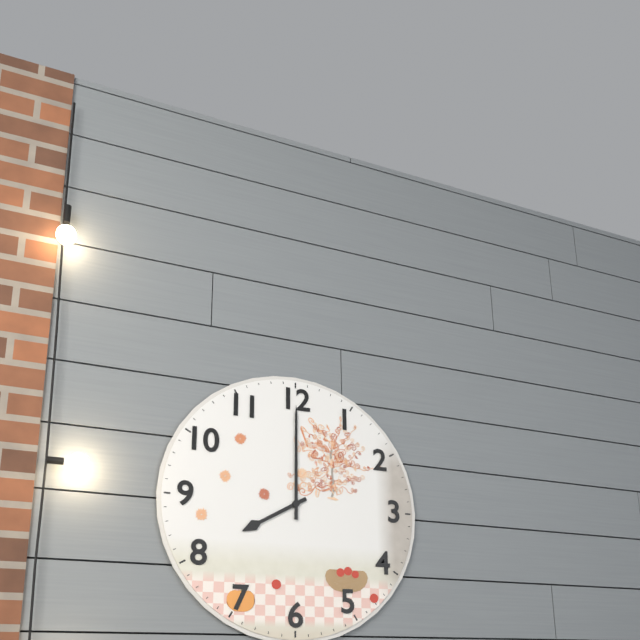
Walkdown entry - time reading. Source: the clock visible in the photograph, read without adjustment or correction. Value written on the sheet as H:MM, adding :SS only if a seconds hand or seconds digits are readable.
8:00
